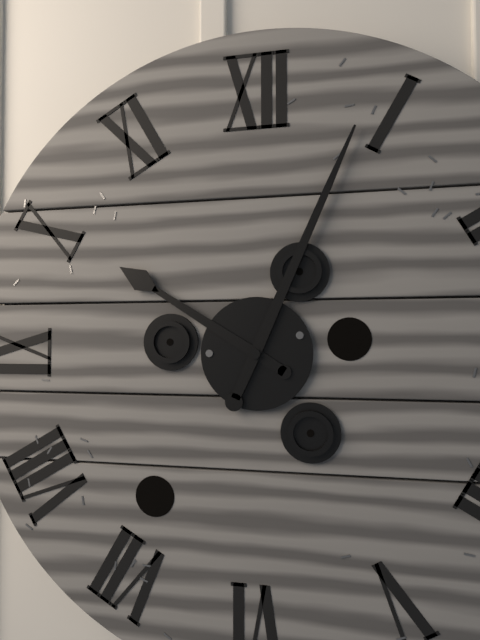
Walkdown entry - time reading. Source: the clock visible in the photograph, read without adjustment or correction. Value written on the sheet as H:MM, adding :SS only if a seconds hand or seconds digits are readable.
10:04
